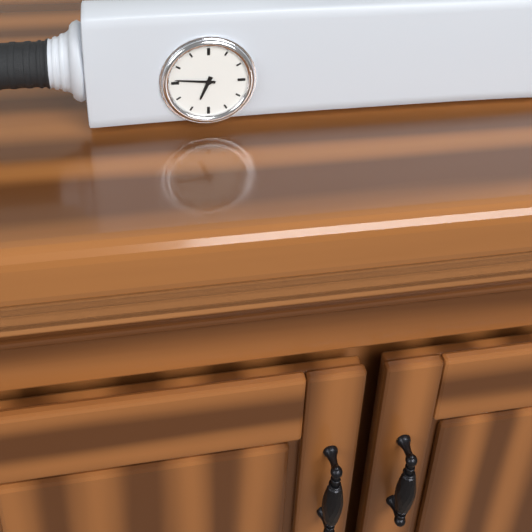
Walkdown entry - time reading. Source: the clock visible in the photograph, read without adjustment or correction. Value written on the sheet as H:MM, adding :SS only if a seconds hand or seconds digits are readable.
6:46
